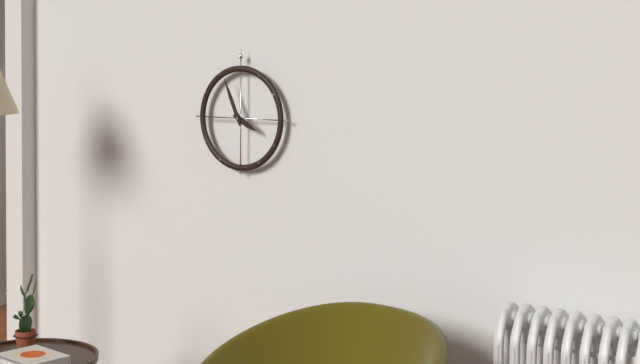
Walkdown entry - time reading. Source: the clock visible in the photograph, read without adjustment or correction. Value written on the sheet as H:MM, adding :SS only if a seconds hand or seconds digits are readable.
3:56
